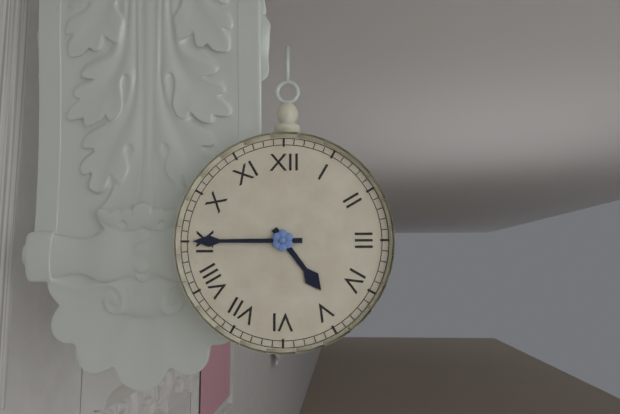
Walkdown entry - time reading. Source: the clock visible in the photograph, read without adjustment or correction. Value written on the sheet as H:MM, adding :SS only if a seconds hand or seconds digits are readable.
4:45
